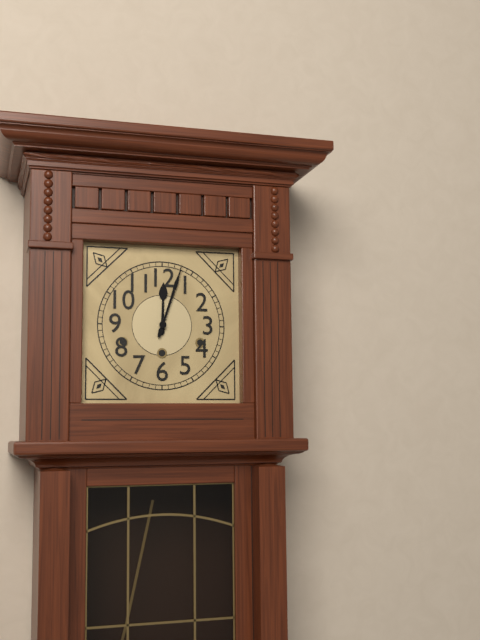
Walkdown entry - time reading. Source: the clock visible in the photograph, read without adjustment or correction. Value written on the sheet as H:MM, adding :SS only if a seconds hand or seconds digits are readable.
12:03
